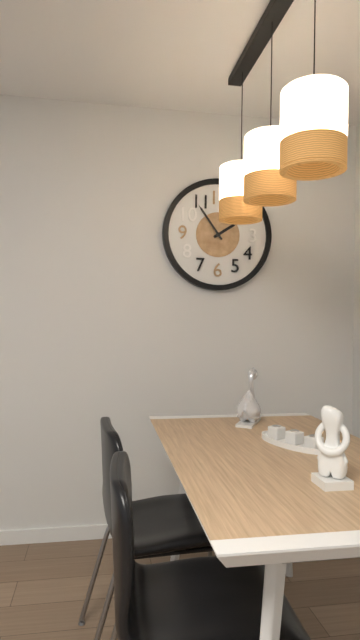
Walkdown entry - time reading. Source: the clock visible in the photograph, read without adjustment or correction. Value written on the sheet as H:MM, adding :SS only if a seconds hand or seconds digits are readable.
1:54
